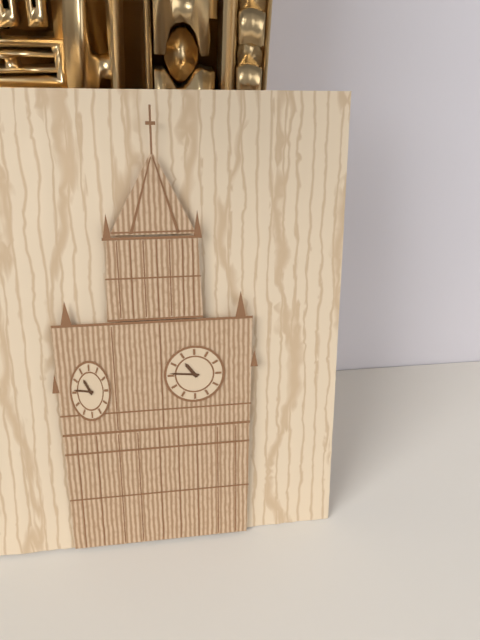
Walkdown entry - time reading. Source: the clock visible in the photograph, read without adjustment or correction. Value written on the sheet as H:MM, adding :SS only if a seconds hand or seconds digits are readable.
10:46
